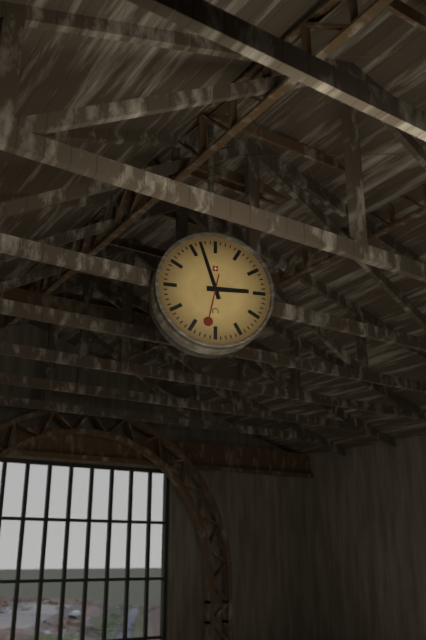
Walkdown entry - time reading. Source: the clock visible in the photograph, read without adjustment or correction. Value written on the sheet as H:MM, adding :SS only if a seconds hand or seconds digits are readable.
2:57
